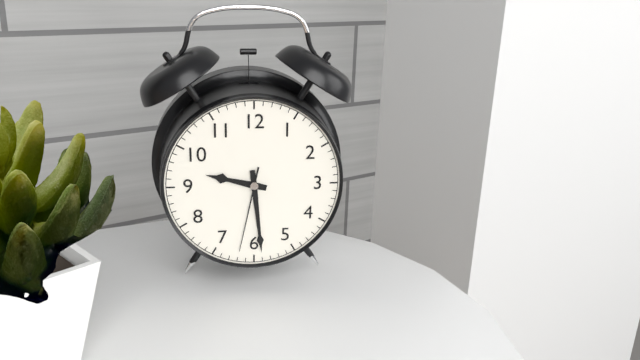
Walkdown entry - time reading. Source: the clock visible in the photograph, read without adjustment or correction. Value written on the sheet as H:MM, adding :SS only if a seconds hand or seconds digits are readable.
9:29:32
